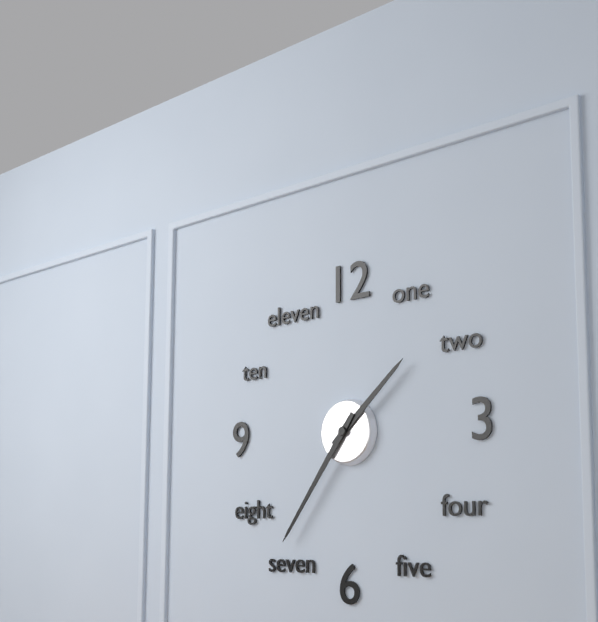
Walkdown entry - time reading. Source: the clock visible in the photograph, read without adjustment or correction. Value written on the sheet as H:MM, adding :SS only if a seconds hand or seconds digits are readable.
1:36
